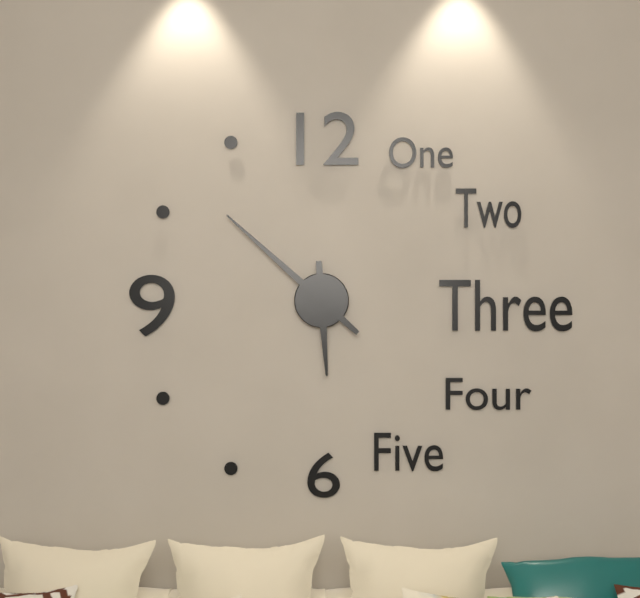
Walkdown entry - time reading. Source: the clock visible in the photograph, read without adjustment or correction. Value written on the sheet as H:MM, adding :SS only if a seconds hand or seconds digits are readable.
5:52
